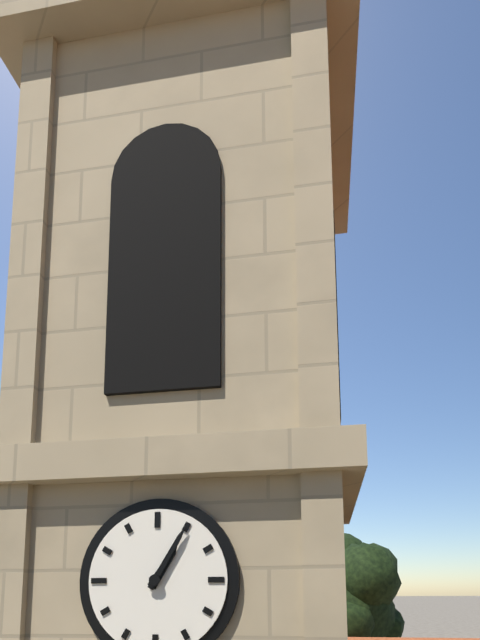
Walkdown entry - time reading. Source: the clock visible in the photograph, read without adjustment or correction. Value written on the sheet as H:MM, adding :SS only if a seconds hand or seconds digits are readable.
1:05
